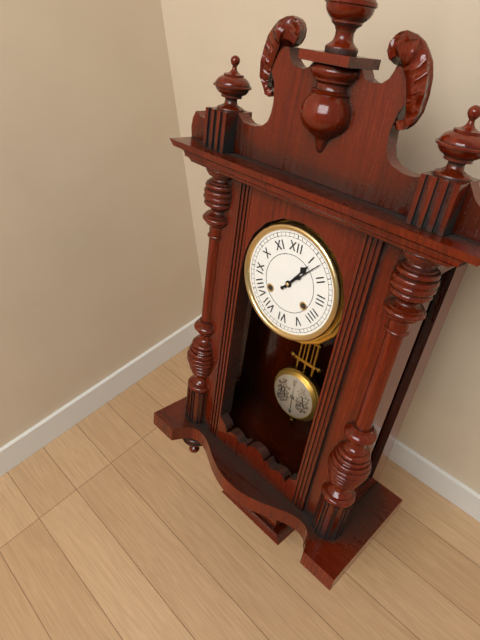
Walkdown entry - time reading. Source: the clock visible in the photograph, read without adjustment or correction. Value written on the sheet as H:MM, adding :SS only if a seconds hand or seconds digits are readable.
1:07
